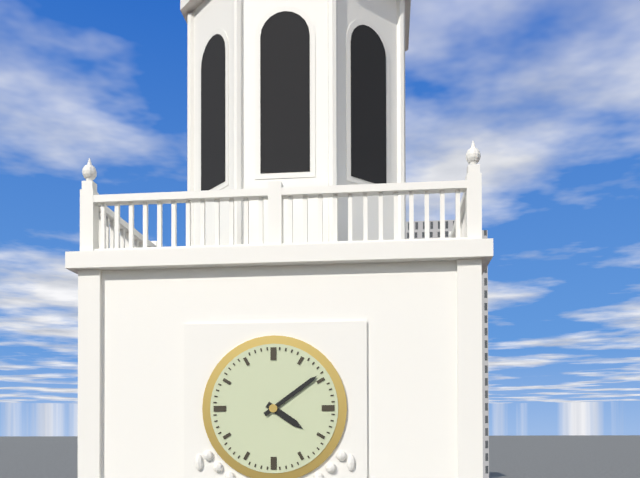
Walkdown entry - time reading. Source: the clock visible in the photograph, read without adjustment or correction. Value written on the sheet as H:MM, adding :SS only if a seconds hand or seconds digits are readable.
4:09
